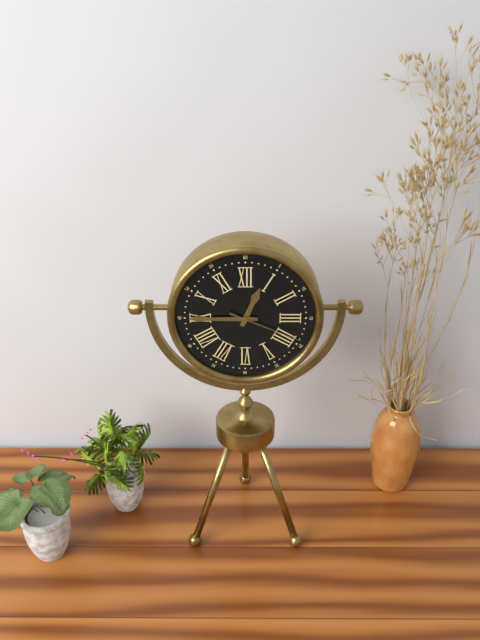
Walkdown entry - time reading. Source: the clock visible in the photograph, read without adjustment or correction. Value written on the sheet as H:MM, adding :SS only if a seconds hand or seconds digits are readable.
12:45:19
